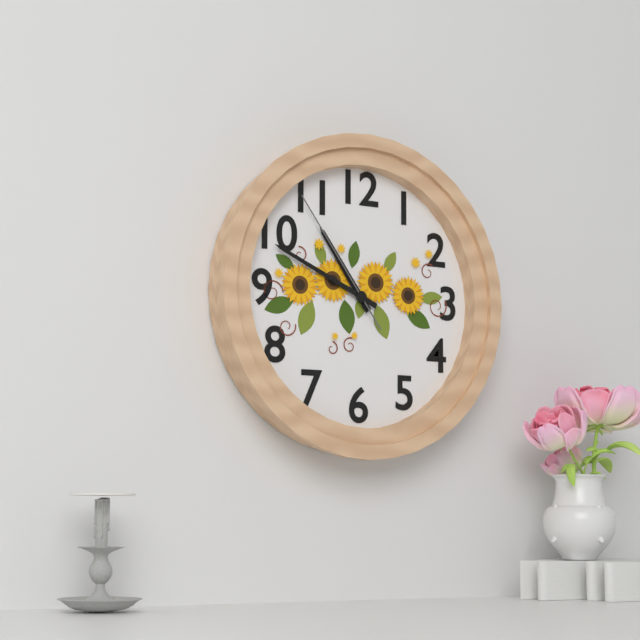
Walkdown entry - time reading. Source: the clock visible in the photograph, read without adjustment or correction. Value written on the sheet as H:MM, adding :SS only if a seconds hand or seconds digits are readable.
10:49:54
